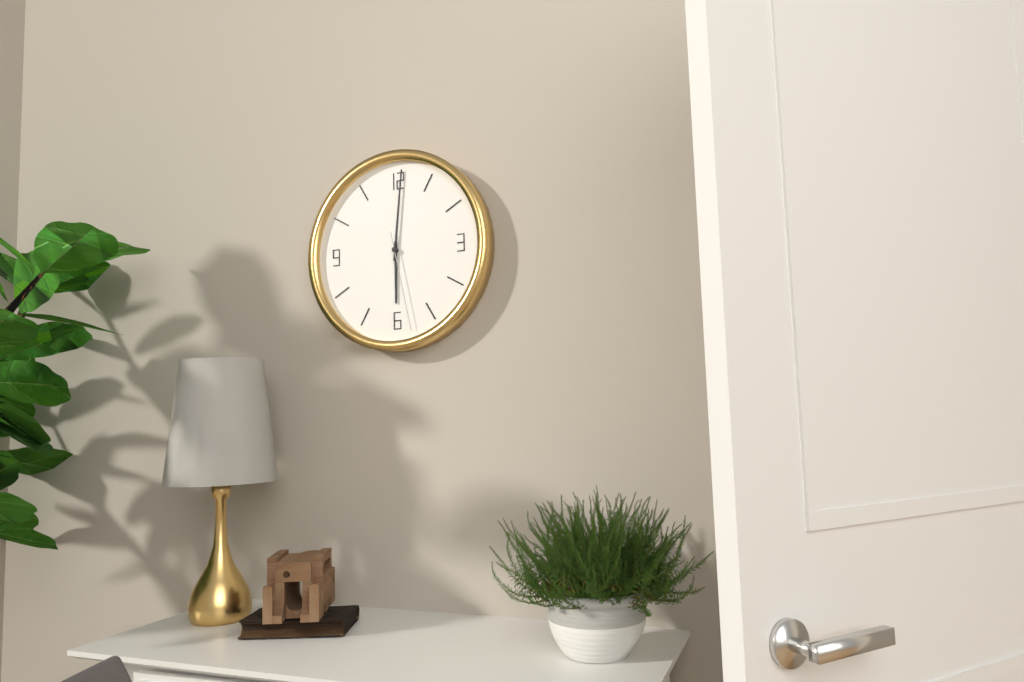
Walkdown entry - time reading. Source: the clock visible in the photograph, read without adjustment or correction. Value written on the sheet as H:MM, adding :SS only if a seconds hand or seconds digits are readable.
6:01:28
